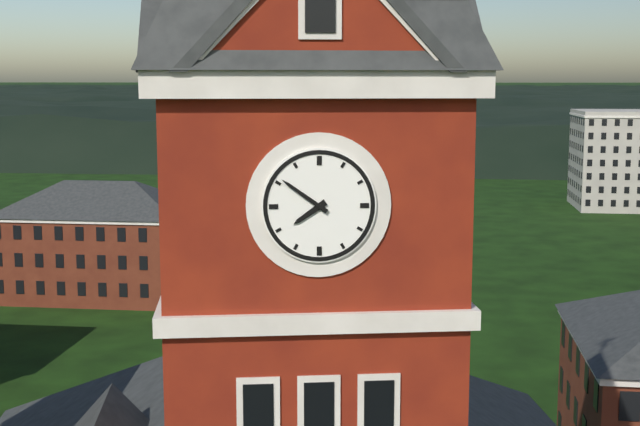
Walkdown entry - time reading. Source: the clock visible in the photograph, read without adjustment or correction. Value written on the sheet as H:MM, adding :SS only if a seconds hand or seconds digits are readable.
7:51
